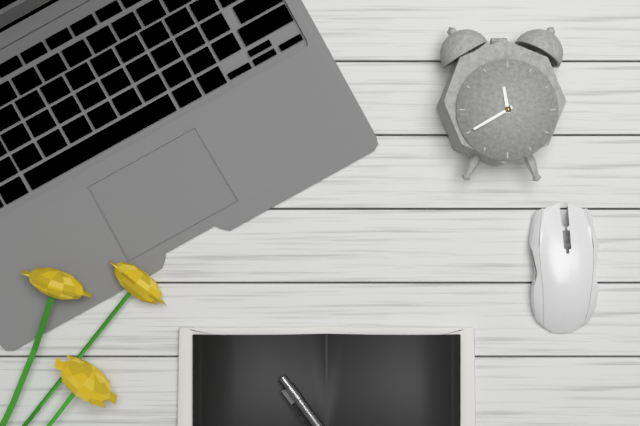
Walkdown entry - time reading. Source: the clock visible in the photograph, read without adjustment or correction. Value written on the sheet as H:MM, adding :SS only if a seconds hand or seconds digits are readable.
11:40
